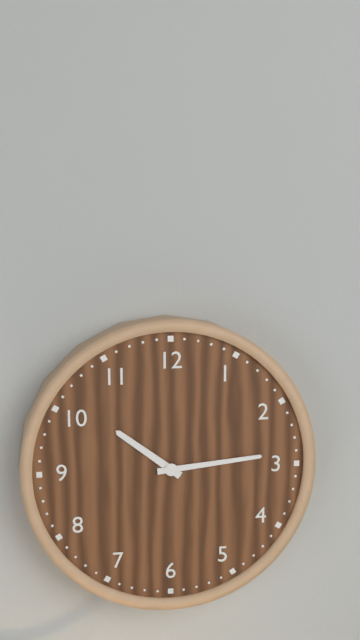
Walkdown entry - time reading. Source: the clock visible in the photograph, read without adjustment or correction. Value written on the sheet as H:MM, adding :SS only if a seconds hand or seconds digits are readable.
10:14
